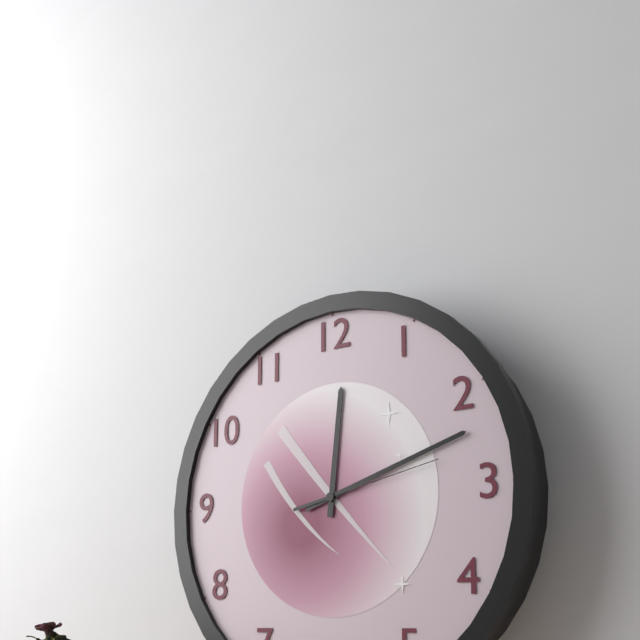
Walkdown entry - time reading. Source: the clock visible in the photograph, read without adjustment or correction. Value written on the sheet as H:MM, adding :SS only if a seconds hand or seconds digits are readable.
12:12:13
